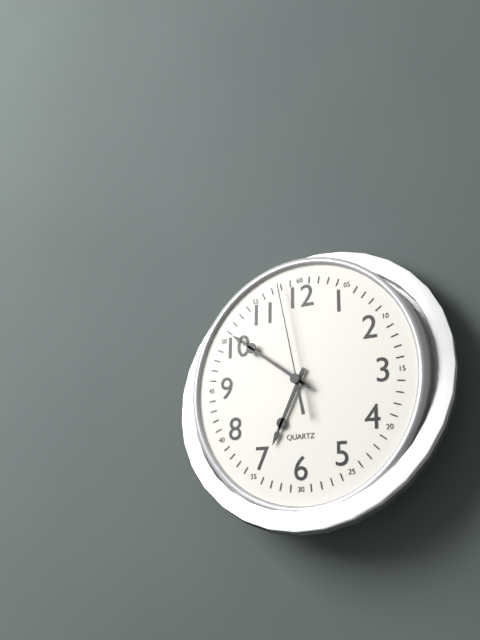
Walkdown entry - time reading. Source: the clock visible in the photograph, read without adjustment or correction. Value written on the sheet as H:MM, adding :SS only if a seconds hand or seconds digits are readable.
6:51:58
